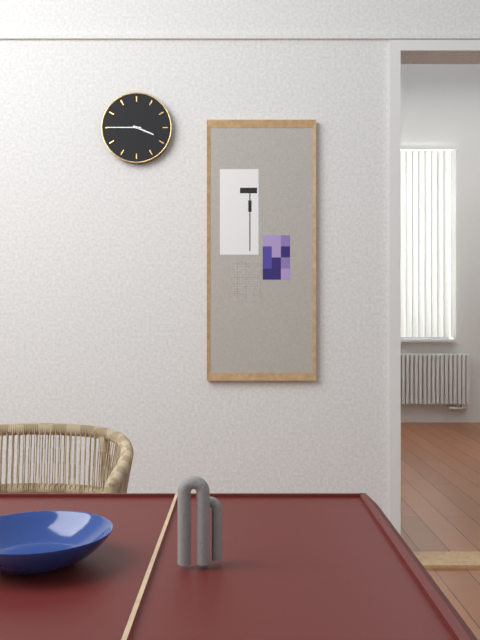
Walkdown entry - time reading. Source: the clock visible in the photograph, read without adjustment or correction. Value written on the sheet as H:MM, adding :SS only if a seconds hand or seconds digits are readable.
3:45
